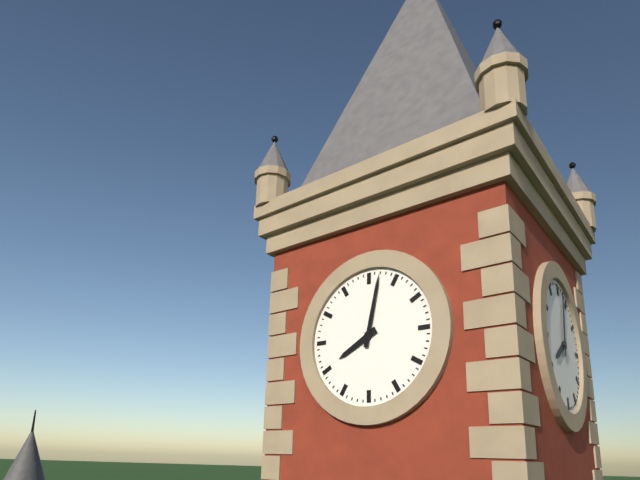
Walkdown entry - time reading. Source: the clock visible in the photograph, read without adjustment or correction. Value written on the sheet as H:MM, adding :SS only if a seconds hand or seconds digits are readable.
8:02
